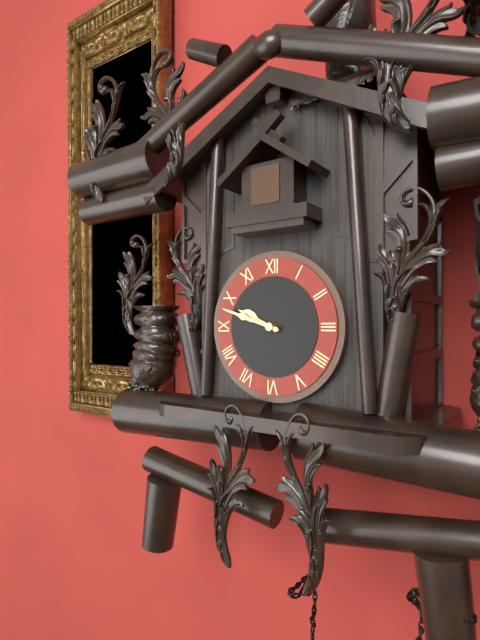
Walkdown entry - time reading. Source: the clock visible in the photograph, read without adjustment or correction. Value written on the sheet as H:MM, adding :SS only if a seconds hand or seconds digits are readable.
9:48
